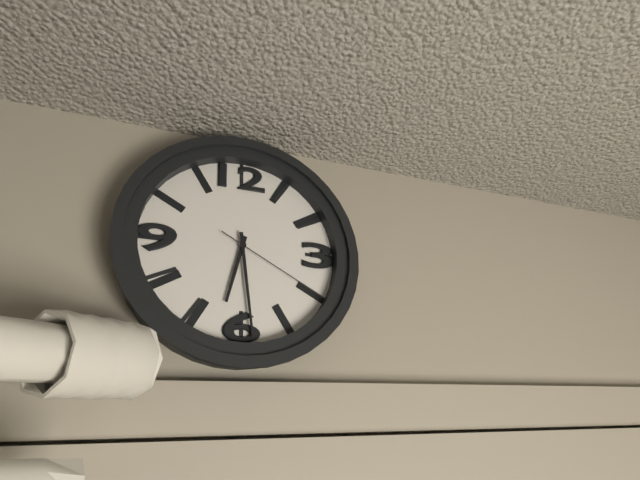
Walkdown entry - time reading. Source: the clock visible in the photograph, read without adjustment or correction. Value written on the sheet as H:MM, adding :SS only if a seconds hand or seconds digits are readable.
6:29:20
